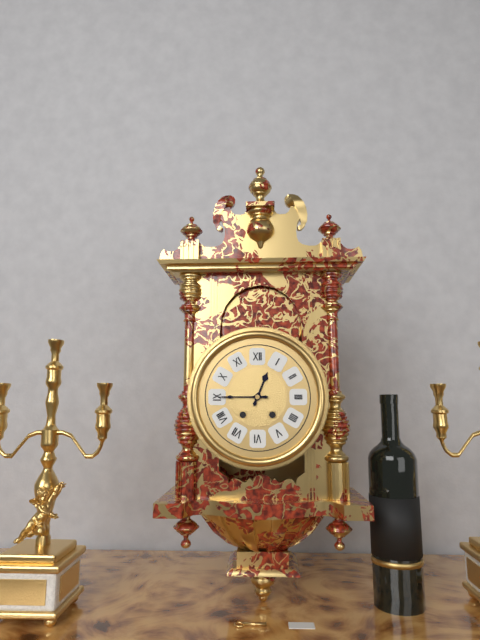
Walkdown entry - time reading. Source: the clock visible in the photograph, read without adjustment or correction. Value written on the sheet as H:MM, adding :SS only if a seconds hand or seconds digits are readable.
12:45
